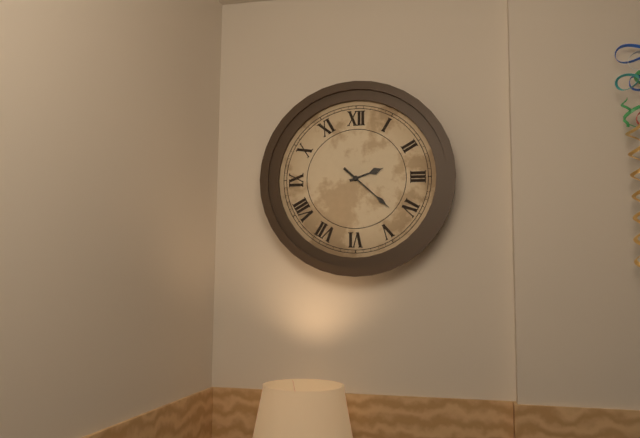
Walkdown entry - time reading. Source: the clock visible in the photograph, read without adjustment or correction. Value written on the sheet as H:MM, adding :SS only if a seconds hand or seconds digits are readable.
2:22
